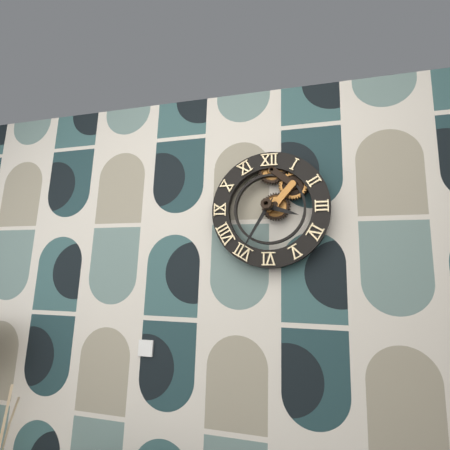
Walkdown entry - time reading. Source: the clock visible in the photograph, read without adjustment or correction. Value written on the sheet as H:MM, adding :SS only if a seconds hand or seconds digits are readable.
3:35
